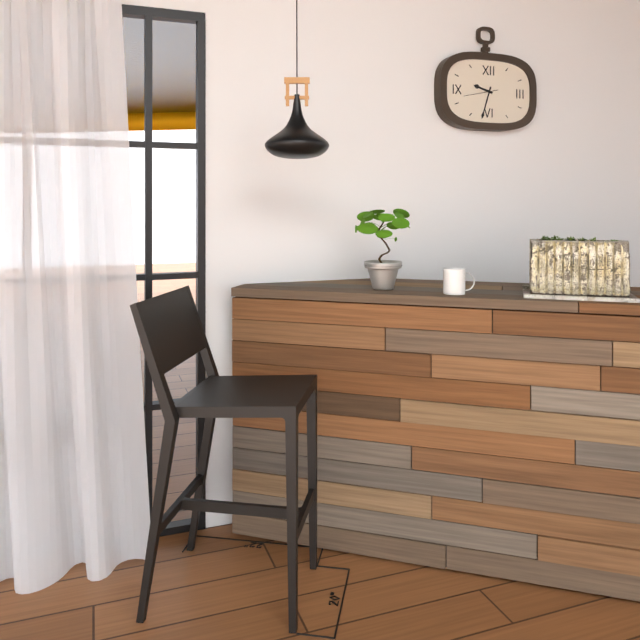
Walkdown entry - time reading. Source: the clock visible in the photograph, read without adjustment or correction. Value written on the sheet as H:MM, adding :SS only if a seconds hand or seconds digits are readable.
9:33
